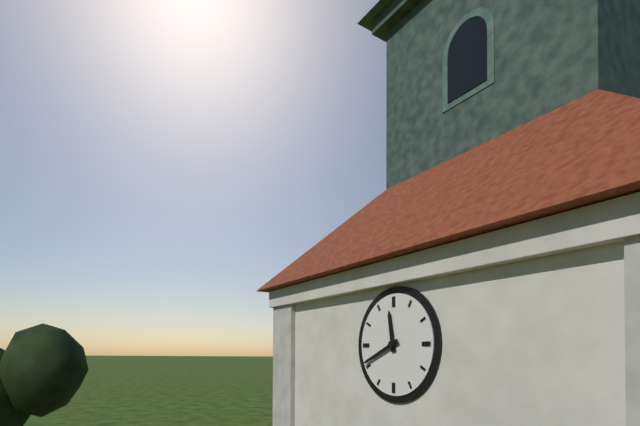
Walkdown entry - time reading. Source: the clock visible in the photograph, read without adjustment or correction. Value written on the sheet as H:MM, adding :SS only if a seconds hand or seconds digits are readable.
11:41
